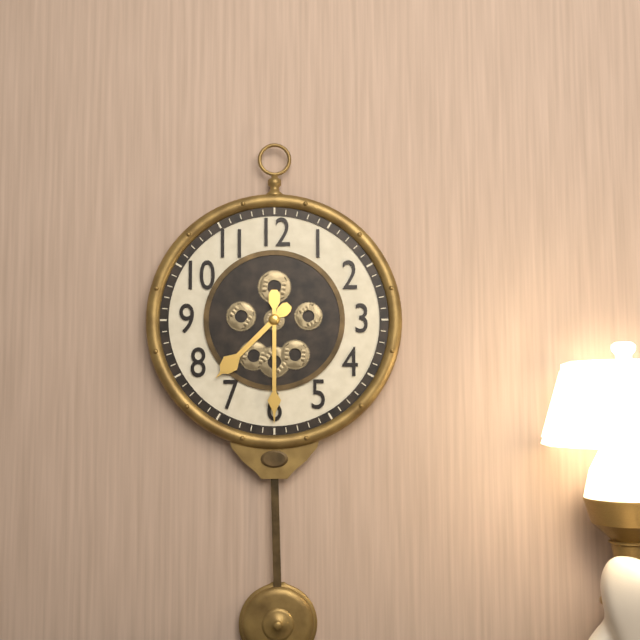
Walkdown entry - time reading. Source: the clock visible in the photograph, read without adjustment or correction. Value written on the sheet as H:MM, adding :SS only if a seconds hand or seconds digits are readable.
7:30
